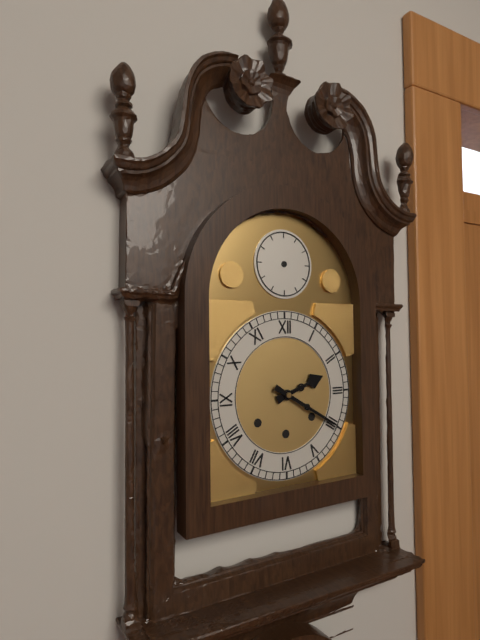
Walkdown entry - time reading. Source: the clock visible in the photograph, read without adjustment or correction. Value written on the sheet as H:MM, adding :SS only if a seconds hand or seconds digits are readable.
2:20
